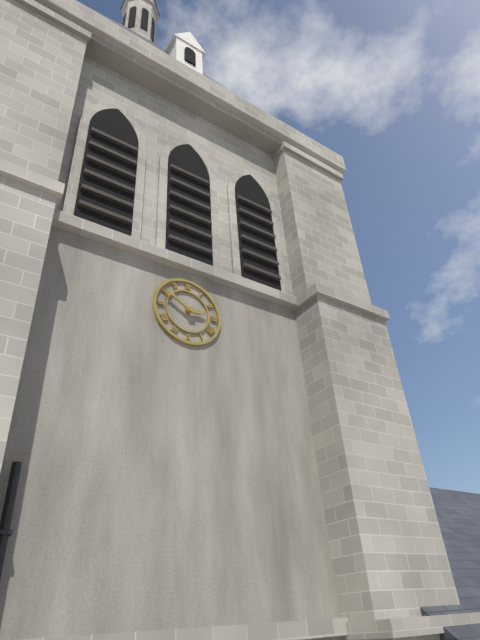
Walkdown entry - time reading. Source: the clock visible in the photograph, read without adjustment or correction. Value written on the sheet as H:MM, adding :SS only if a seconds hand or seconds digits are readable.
2:50
